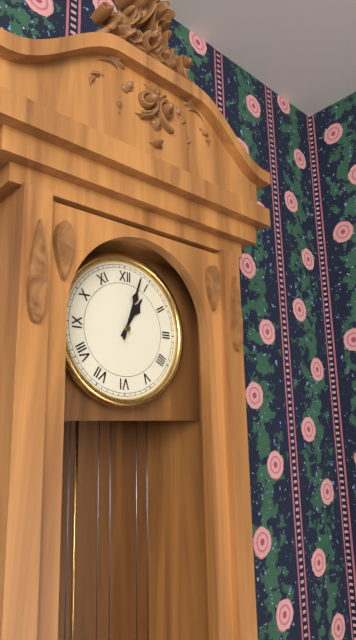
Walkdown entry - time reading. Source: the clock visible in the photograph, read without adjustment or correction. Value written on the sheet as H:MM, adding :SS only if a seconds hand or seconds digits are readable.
1:03
